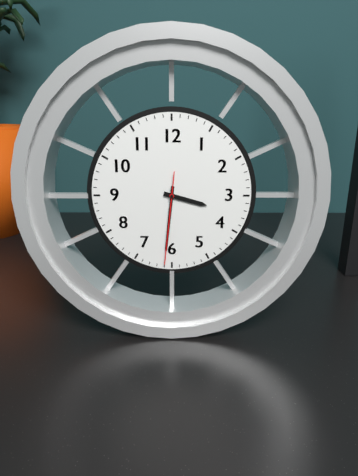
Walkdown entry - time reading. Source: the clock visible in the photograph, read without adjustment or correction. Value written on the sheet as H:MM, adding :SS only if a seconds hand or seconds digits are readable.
3:31:31
